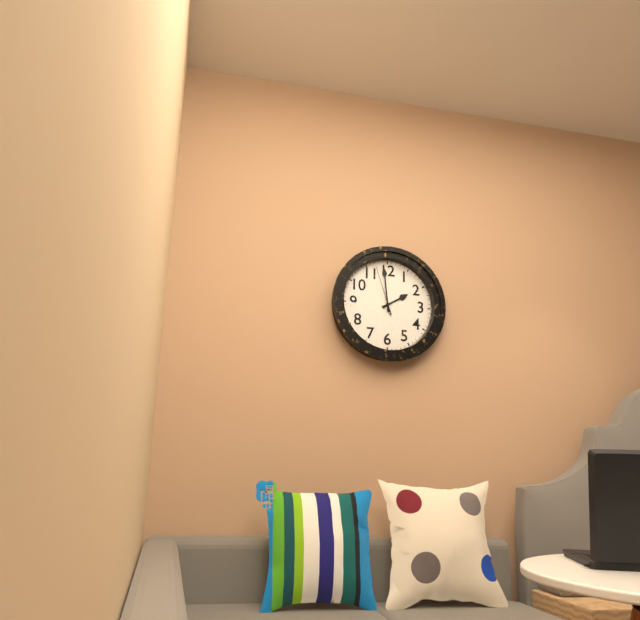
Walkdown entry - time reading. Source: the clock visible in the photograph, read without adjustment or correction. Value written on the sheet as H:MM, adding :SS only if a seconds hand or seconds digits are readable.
1:59
